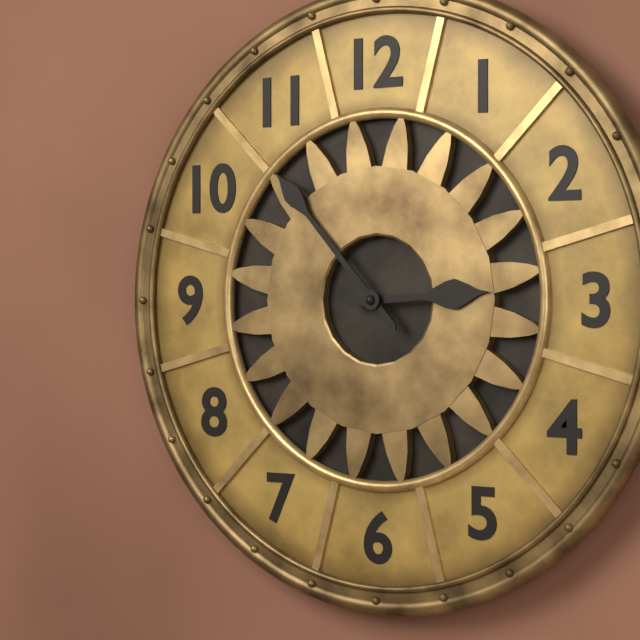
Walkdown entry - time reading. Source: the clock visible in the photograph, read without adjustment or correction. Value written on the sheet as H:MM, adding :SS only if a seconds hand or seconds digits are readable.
2:53
